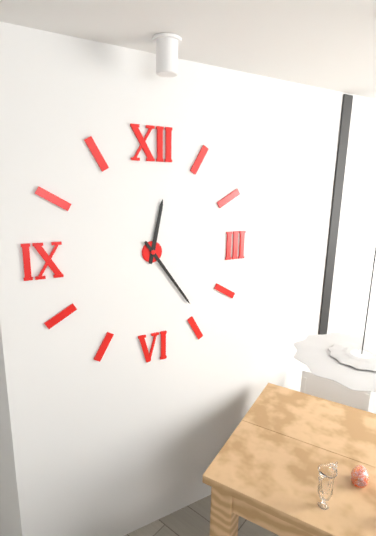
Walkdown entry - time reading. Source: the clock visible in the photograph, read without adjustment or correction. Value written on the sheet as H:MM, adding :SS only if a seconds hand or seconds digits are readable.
12:24
